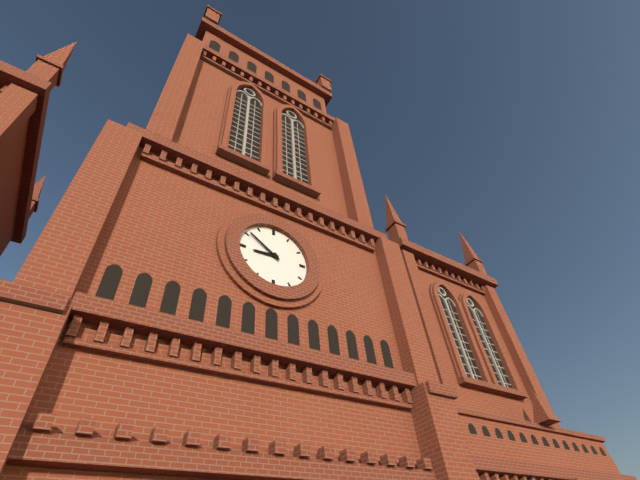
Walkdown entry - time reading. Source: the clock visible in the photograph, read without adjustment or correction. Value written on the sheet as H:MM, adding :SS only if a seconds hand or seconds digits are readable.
8:51
